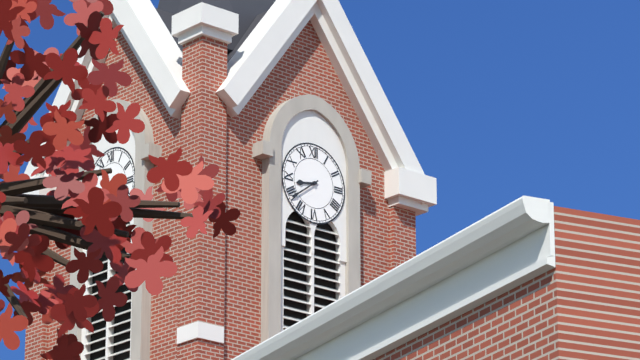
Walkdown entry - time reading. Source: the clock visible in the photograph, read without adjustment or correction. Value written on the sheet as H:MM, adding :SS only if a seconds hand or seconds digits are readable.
8:39
